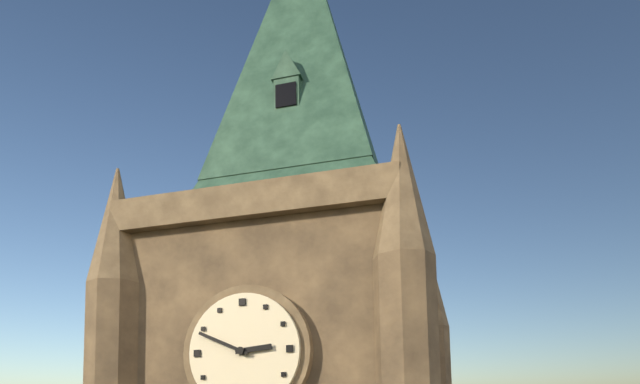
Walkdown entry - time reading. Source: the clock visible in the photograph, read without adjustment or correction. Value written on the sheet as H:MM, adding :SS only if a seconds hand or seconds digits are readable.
2:49
